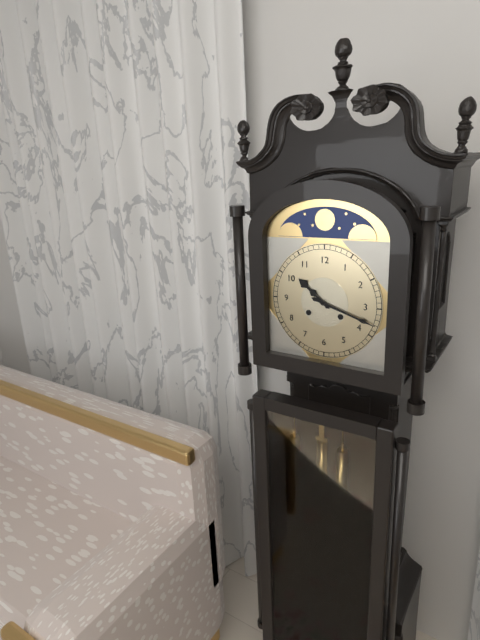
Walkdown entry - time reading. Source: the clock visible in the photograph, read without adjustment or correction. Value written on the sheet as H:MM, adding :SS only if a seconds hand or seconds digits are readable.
10:18
